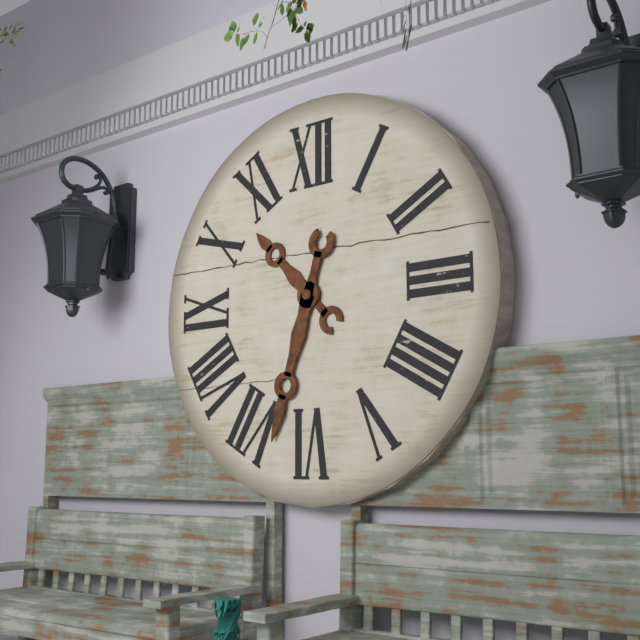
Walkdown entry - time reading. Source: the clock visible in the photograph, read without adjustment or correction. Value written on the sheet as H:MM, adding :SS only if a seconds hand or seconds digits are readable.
10:33
